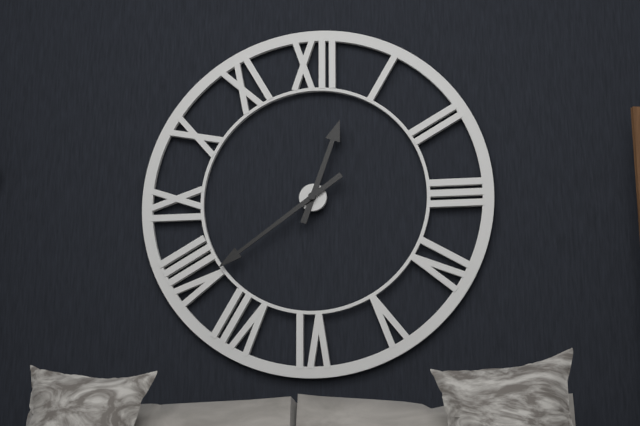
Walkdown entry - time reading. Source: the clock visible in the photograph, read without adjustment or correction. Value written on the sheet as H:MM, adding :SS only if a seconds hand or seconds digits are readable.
12:39
